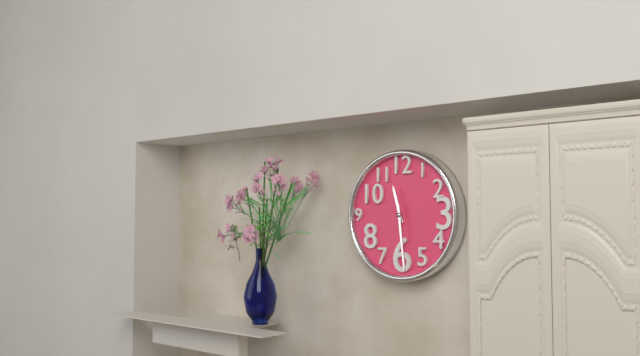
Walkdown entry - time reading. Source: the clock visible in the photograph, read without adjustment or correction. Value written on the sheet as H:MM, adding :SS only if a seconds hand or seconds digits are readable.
11:29
